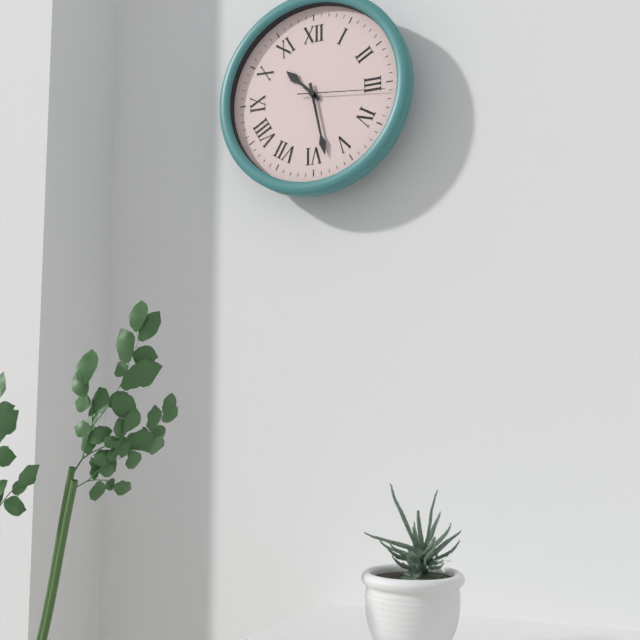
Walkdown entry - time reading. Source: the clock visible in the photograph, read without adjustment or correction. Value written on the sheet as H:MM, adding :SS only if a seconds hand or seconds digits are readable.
10:28:16
